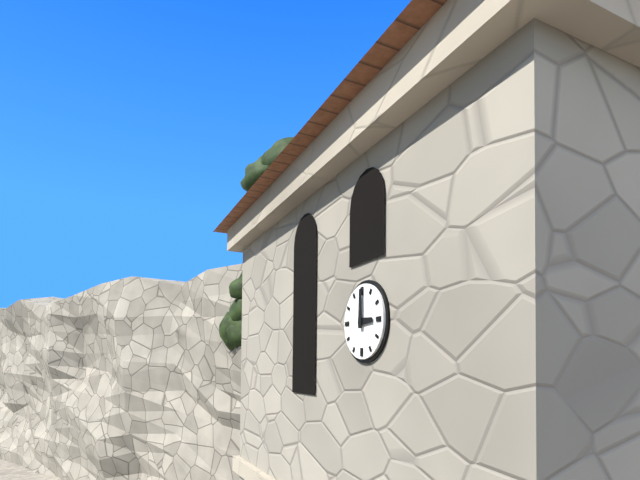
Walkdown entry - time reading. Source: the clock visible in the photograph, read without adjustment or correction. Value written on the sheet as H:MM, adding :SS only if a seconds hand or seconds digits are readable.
3:00
